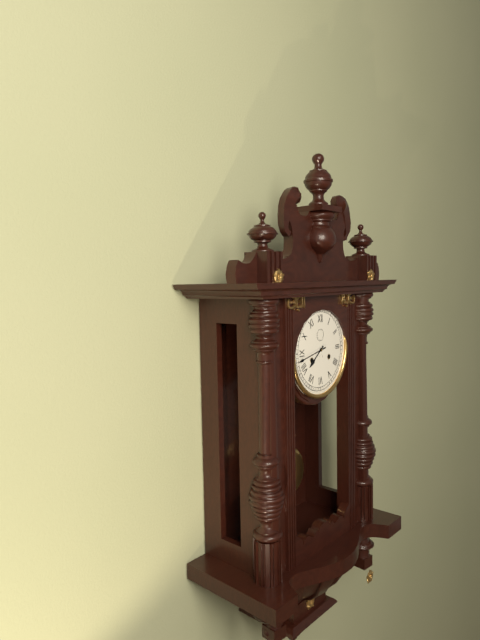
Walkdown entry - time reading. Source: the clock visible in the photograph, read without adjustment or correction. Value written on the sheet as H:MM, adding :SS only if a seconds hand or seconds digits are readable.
7:43
